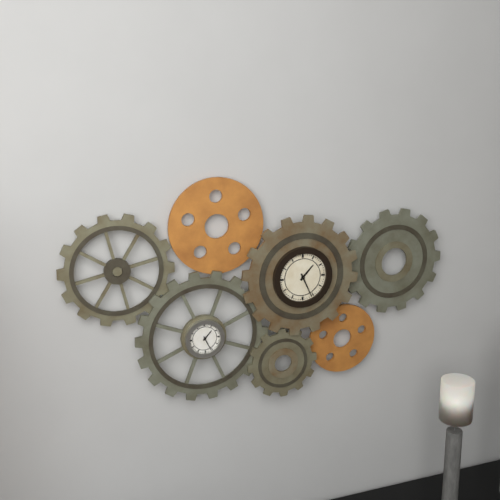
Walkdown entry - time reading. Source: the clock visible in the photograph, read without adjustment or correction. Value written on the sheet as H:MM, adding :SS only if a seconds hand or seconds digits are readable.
1:26
